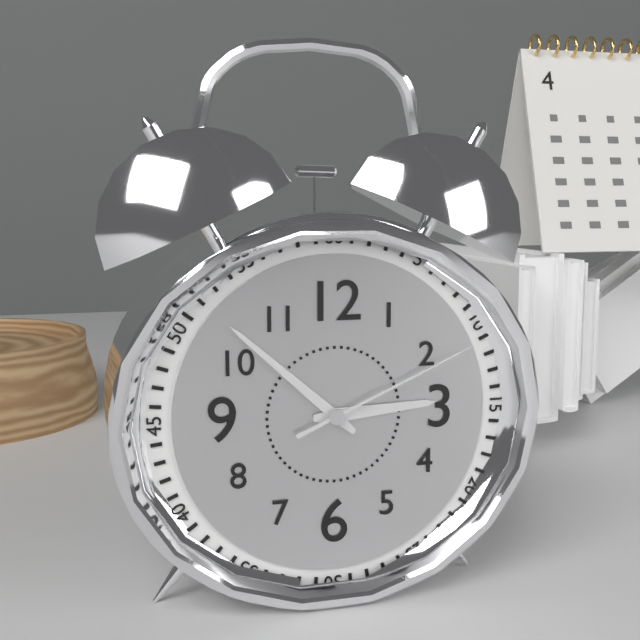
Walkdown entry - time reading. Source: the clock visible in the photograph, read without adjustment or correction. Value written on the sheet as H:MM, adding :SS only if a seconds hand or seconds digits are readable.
2:52:11
